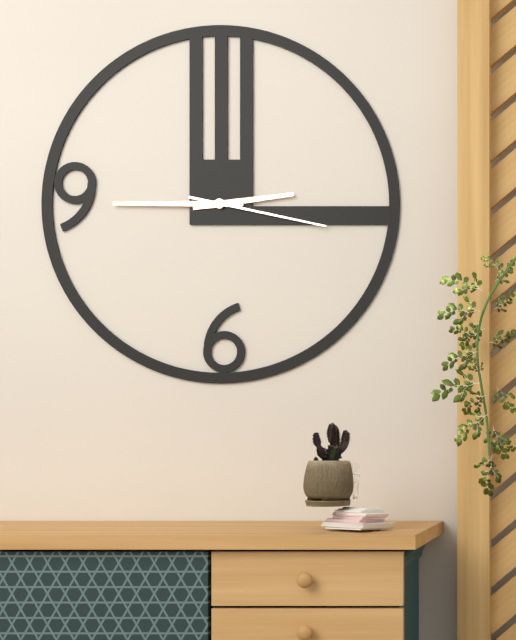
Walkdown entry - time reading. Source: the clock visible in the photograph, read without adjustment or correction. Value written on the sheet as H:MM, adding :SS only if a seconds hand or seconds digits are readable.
2:45:17
